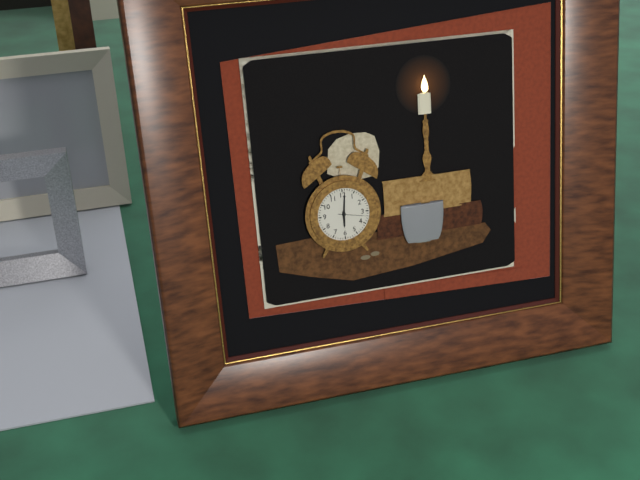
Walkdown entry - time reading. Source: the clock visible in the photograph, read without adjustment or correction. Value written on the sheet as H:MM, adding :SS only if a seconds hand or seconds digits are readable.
6:01
